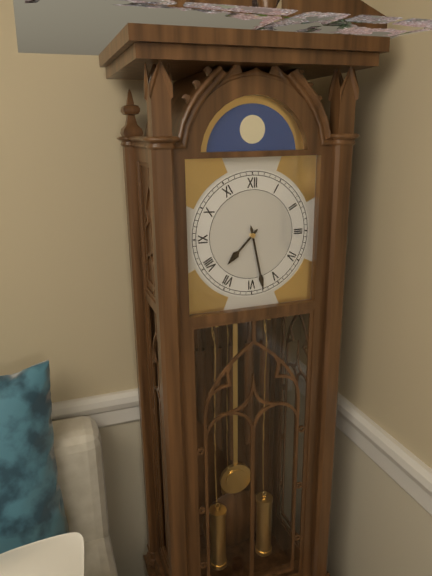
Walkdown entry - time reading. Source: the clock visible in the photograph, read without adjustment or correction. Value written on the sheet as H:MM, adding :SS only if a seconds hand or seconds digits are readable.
7:28
